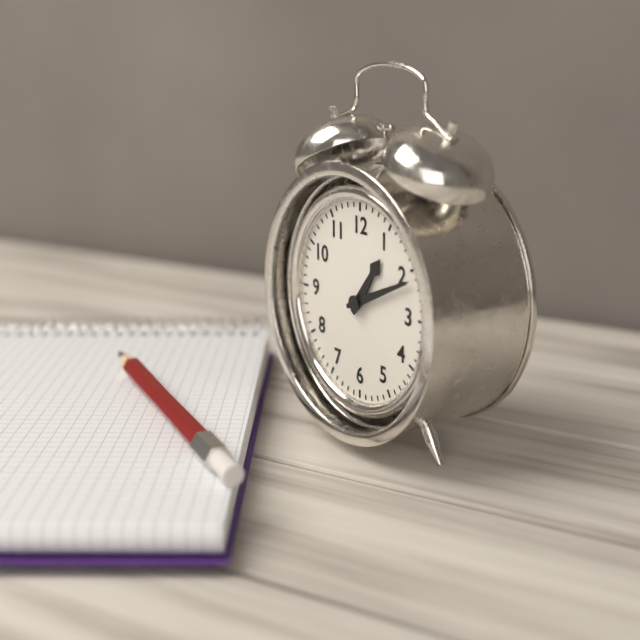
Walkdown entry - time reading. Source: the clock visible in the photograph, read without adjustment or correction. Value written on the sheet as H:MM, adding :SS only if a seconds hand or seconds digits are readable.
1:11
